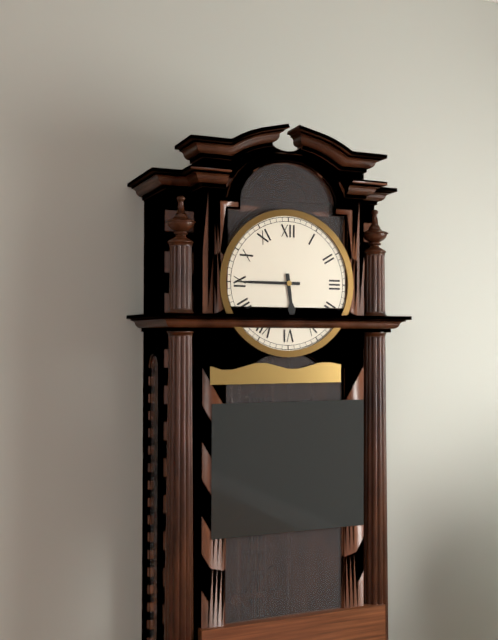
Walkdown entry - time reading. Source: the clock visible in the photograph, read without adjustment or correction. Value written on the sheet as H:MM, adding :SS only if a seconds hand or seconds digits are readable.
5:45
